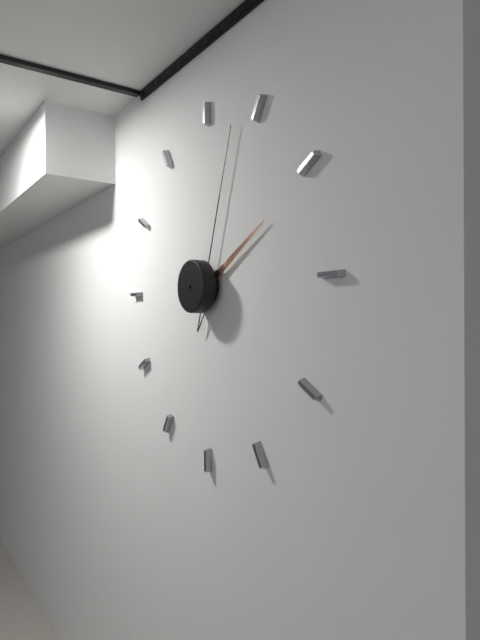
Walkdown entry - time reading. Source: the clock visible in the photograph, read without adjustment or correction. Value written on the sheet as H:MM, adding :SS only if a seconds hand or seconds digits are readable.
2:03
